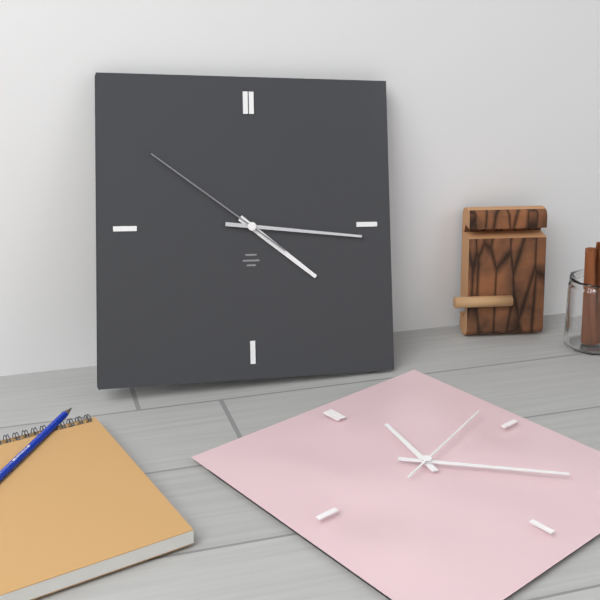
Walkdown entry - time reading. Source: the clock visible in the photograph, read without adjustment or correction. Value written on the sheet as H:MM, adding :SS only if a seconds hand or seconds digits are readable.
4:16:51
